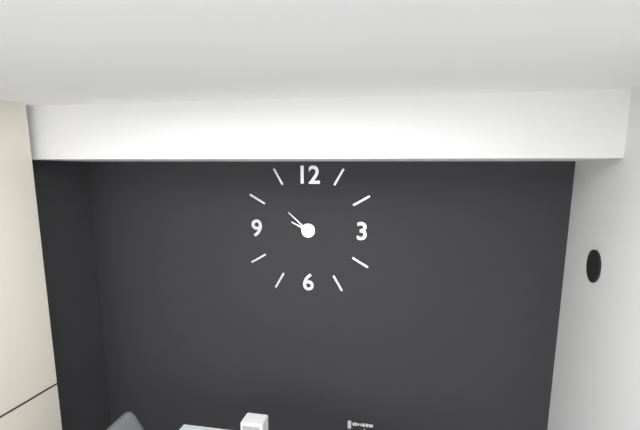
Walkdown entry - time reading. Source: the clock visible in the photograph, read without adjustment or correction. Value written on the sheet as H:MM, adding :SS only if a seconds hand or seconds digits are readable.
9:52
